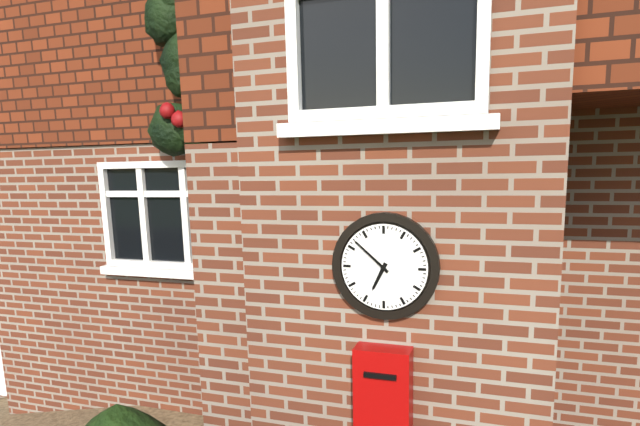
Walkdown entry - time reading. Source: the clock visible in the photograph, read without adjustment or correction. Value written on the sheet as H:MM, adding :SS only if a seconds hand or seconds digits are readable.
6:52
